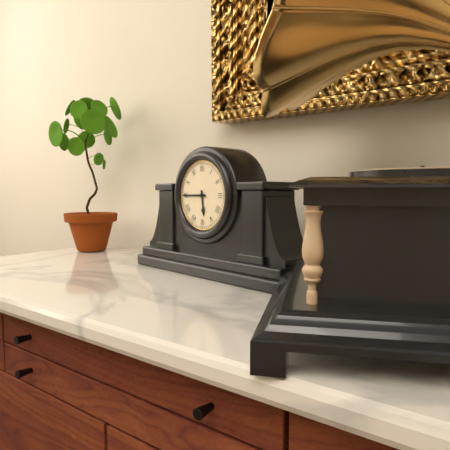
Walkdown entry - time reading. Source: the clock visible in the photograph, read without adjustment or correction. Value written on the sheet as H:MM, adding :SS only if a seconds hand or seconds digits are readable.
5:45
